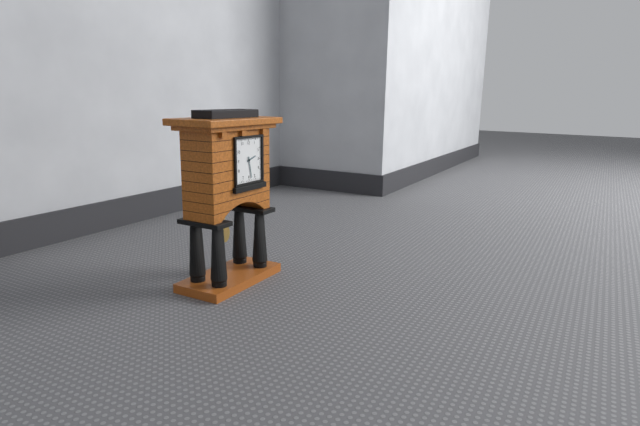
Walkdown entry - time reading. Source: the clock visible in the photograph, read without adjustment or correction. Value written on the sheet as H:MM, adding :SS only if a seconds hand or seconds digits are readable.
2:28
